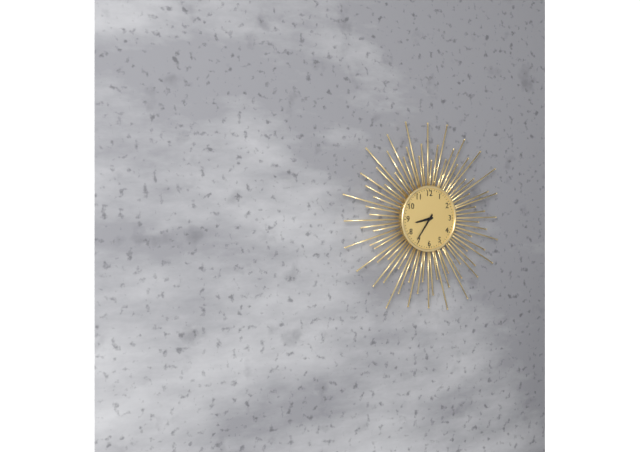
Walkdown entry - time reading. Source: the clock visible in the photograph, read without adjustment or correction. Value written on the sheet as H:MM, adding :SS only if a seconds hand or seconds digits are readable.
8:36
